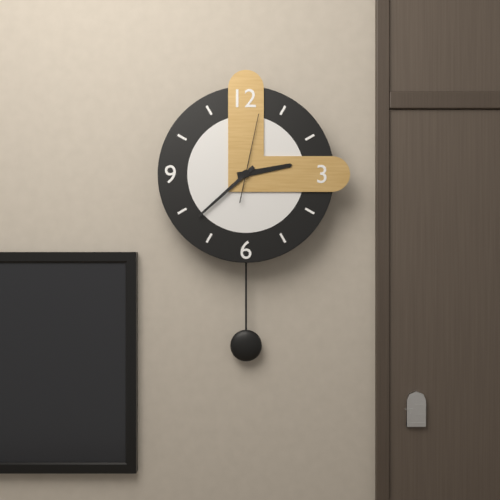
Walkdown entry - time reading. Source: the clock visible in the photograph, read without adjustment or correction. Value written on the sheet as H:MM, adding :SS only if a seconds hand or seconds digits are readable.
2:38:02
